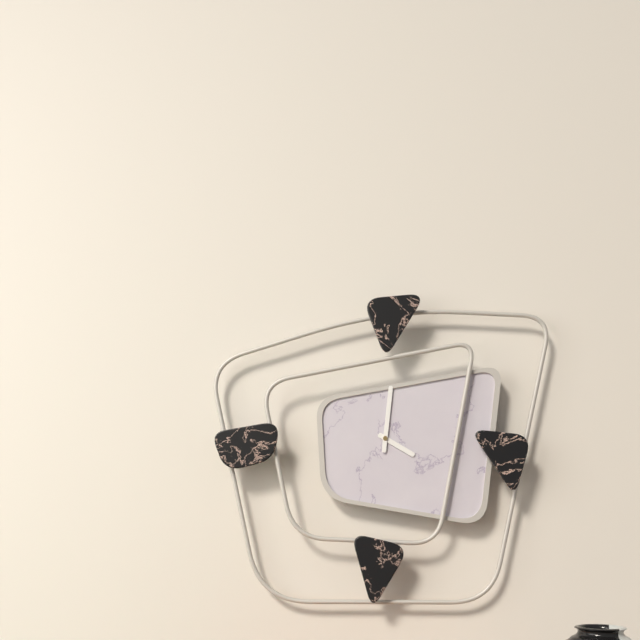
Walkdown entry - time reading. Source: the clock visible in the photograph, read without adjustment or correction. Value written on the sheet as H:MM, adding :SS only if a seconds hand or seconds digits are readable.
4:01
